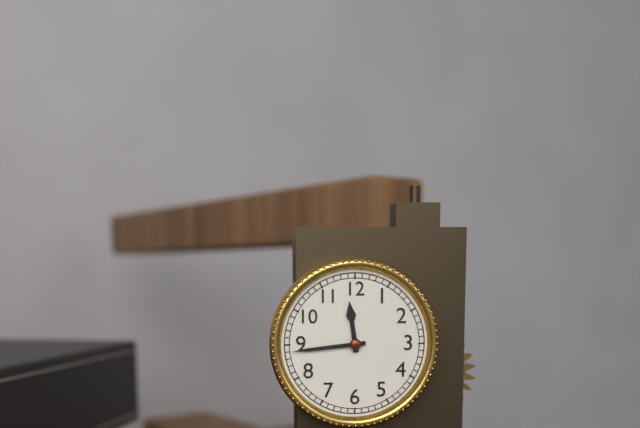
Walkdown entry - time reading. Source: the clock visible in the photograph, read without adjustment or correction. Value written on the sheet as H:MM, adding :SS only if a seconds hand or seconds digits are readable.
11:44
